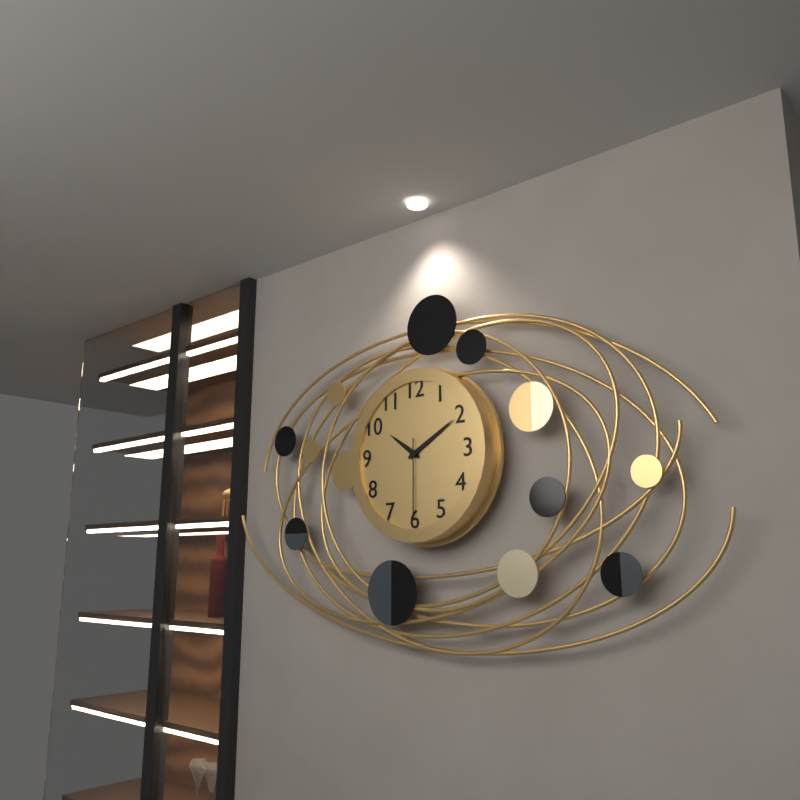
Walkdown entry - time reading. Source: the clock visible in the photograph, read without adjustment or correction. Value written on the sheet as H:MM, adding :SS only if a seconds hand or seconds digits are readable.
10:10:30
